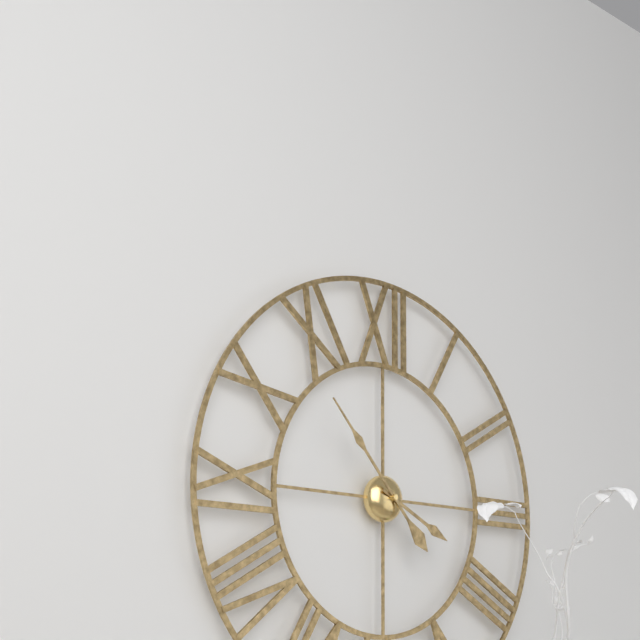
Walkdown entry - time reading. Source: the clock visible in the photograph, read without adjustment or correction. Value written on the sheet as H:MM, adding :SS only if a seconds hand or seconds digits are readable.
3:53
